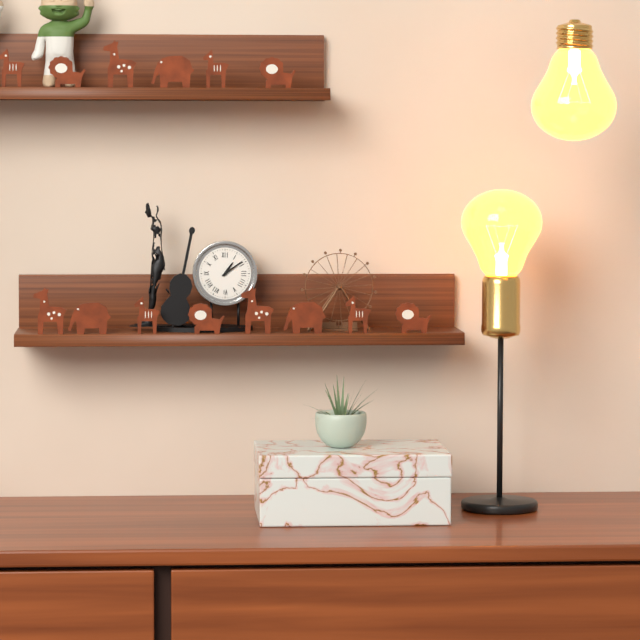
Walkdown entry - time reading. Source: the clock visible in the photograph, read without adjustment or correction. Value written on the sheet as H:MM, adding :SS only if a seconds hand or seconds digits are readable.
1:09
